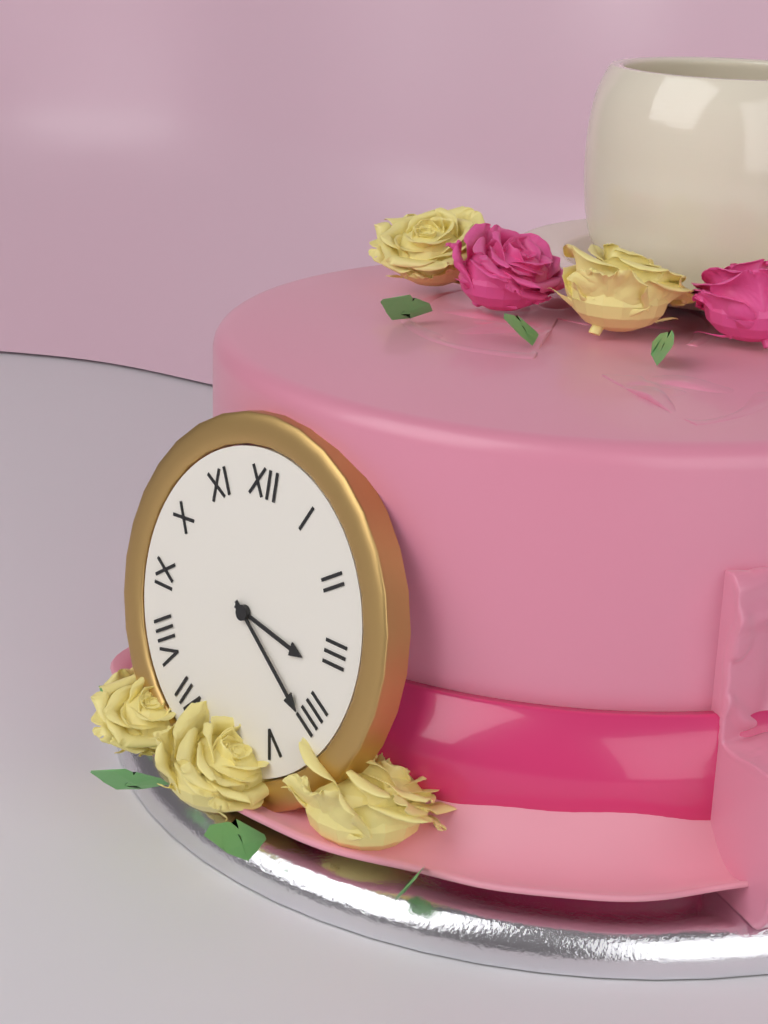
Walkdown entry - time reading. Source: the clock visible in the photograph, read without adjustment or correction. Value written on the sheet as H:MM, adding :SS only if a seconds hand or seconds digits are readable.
3:21
